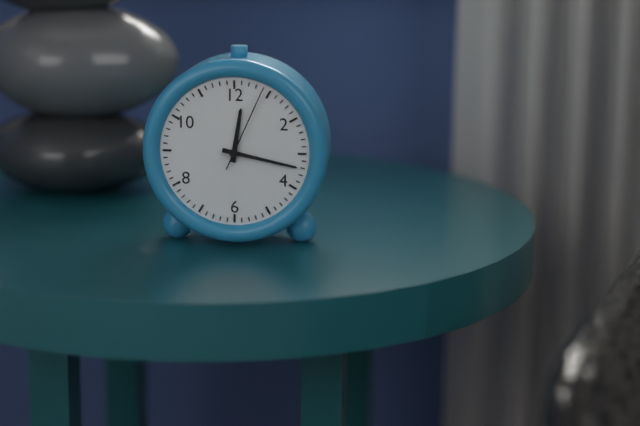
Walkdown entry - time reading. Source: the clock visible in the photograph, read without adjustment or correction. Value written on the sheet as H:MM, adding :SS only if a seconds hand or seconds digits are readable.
12:17:04
